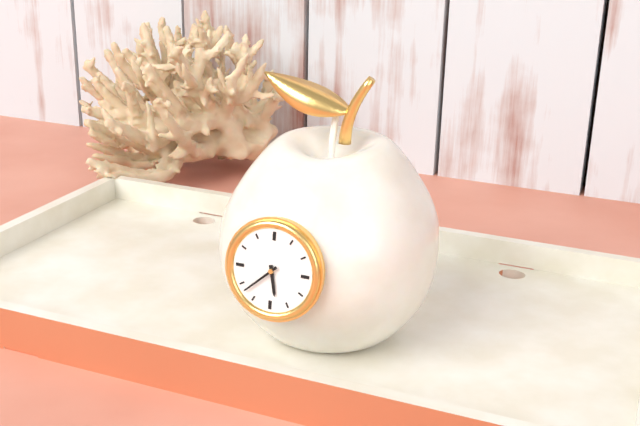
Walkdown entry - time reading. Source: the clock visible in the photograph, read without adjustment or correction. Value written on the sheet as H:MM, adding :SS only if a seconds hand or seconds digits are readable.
5:38
